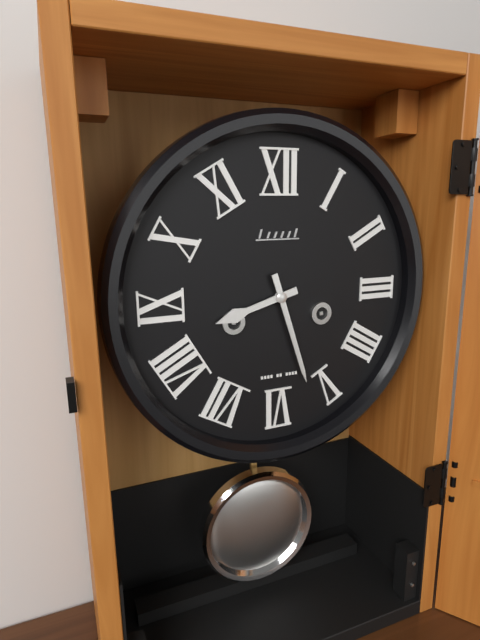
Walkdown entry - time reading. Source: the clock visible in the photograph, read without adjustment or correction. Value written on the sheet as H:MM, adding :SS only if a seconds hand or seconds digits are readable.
8:27
